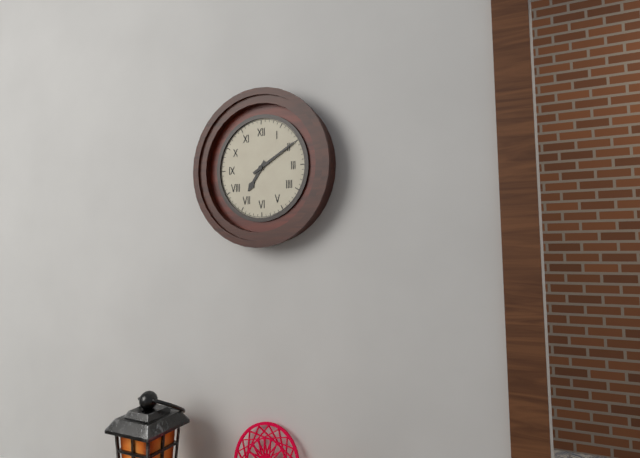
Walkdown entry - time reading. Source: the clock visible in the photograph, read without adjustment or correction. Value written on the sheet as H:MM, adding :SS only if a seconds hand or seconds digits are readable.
7:10
